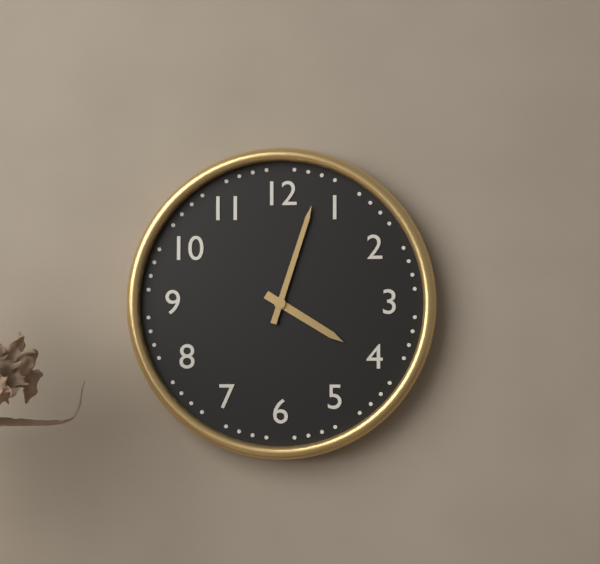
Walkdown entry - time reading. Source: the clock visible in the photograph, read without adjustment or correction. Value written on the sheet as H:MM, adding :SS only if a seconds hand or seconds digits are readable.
4:03
